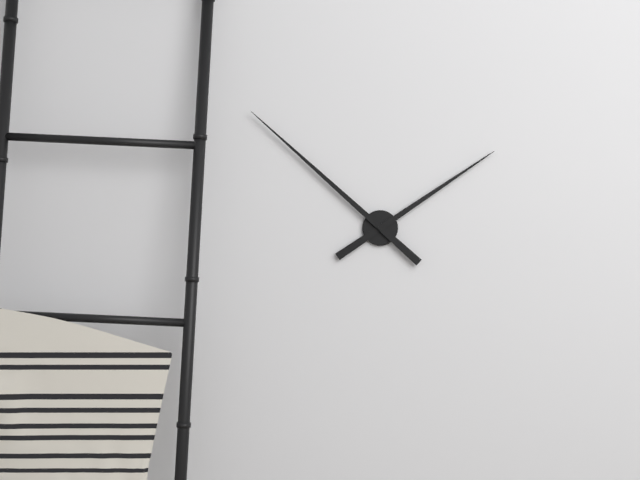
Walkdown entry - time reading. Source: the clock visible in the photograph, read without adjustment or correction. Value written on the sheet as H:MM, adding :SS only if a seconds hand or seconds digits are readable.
1:52
